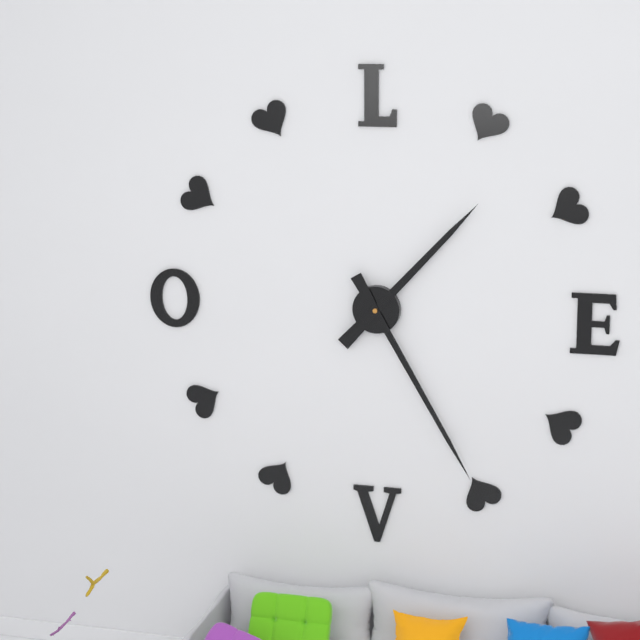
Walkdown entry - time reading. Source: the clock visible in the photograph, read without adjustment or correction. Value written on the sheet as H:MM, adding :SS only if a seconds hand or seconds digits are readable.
1:25
